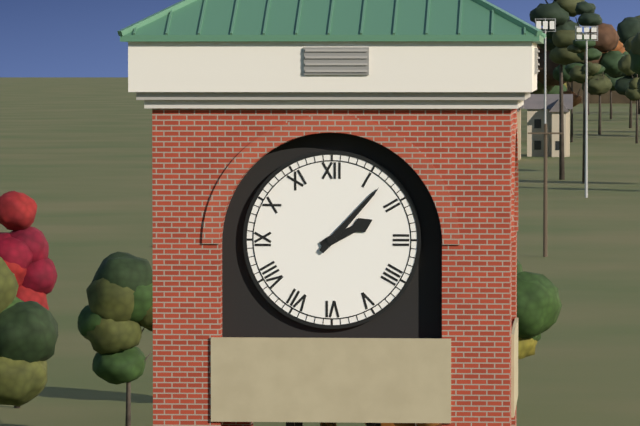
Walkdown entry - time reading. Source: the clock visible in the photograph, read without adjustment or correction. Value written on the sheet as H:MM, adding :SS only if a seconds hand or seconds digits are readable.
2:07
